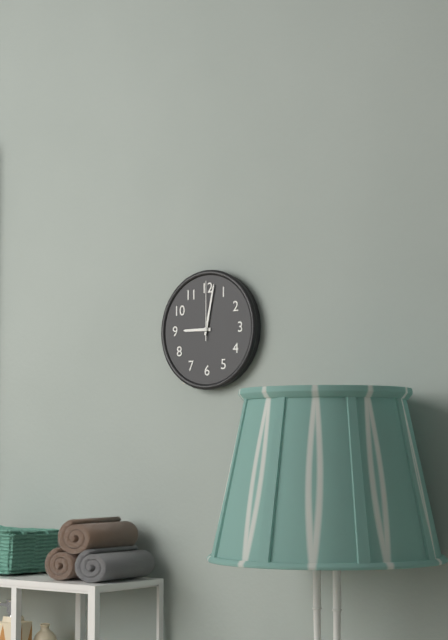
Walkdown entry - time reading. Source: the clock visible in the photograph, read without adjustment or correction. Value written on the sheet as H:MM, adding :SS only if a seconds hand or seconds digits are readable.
9:02:00
